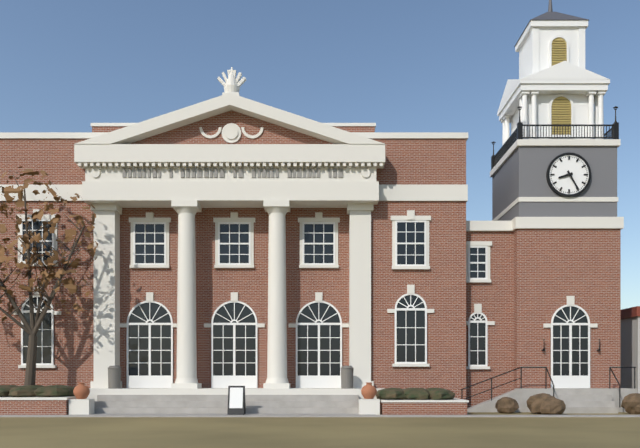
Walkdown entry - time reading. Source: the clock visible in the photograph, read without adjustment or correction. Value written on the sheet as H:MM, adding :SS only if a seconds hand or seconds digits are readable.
8:25
